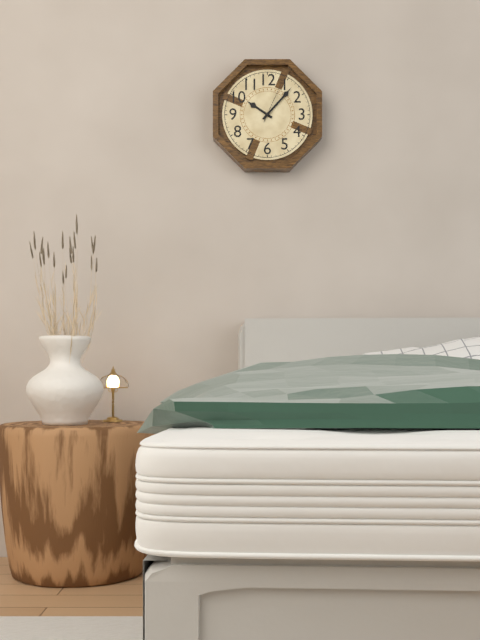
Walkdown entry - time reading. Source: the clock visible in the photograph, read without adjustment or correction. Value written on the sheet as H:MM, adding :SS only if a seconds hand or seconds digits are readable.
10:07
